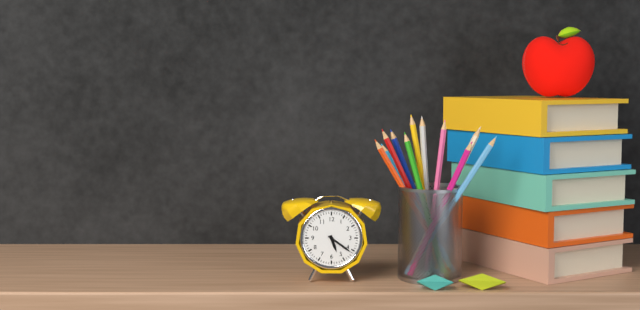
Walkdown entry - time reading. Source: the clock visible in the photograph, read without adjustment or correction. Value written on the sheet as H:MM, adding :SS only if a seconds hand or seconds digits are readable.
5:21
